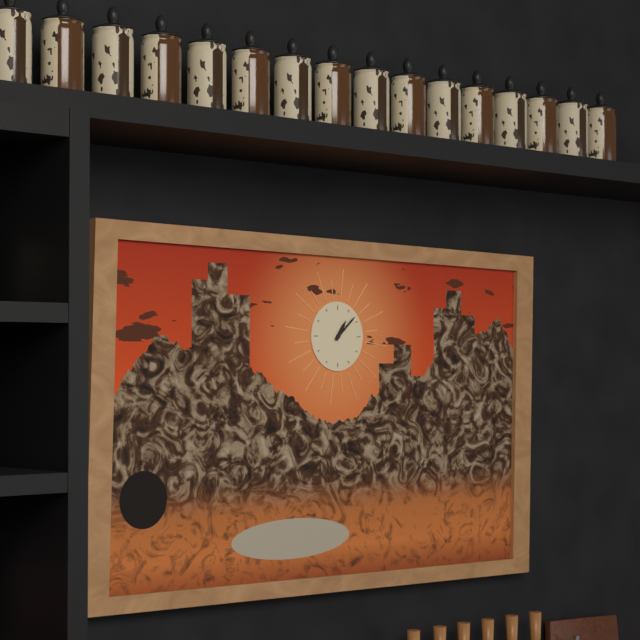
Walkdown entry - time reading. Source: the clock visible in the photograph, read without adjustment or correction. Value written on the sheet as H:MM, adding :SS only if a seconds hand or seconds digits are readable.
1:08
